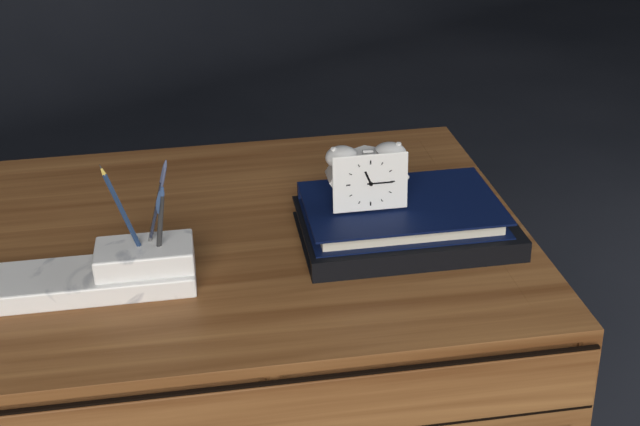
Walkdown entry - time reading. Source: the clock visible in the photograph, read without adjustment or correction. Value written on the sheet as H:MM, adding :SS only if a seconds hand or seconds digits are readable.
11:15
